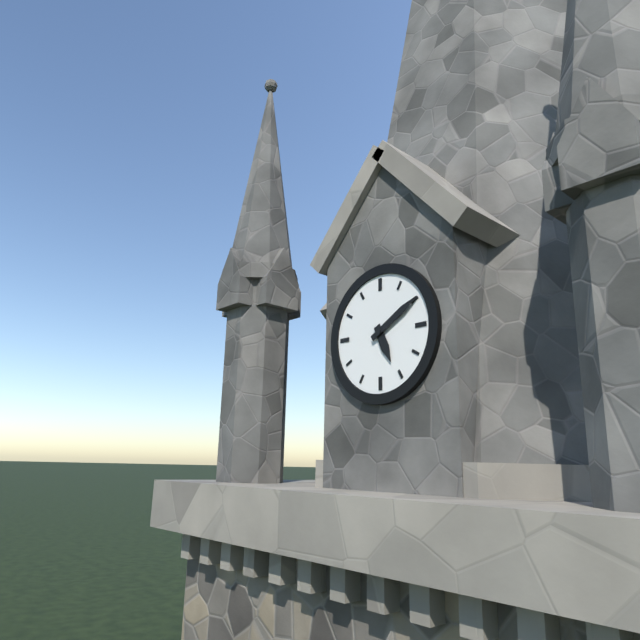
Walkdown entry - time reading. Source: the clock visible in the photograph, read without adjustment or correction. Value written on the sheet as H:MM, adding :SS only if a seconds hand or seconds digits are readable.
5:10
